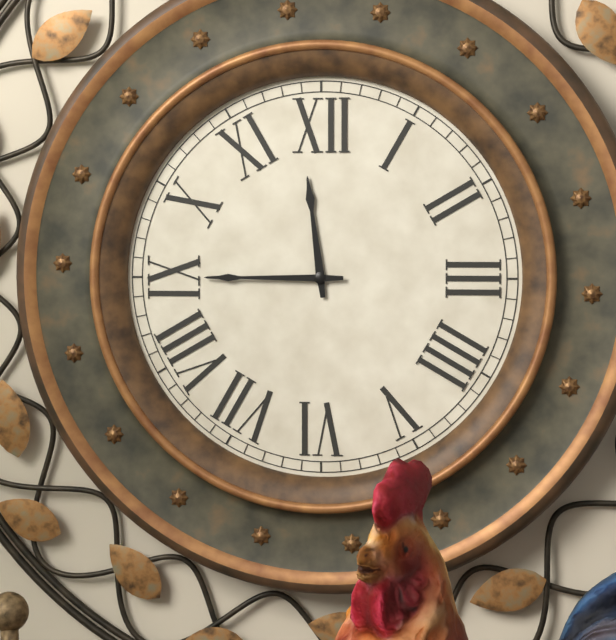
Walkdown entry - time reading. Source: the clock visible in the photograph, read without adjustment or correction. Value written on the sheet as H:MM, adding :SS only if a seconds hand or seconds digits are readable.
11:45
